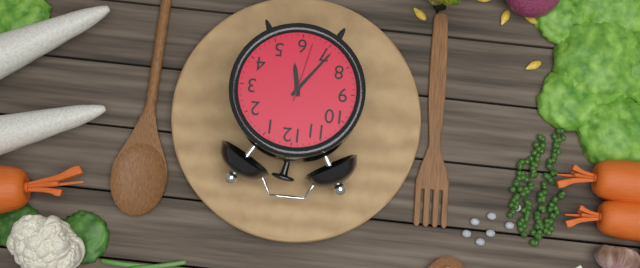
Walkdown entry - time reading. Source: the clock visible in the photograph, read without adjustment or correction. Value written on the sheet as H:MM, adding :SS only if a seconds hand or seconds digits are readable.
5:36:32
